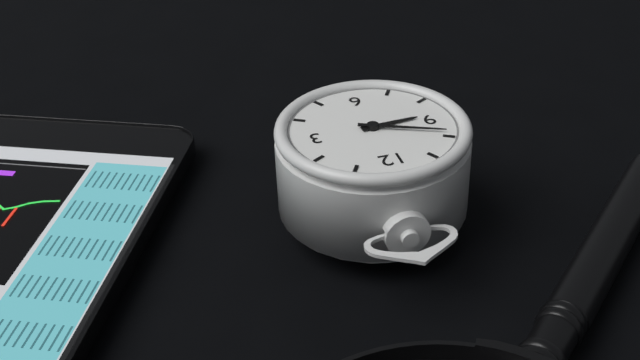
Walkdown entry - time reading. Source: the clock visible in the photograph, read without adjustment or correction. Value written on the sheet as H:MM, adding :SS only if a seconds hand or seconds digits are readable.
8:49
